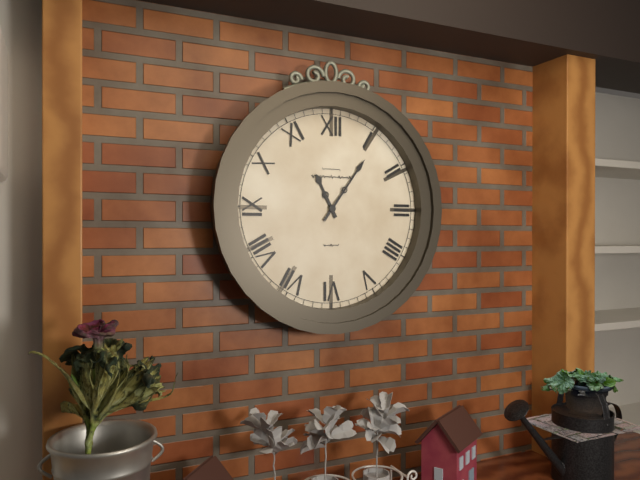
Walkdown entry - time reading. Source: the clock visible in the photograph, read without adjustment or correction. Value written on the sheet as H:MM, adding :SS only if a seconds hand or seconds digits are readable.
11:06
